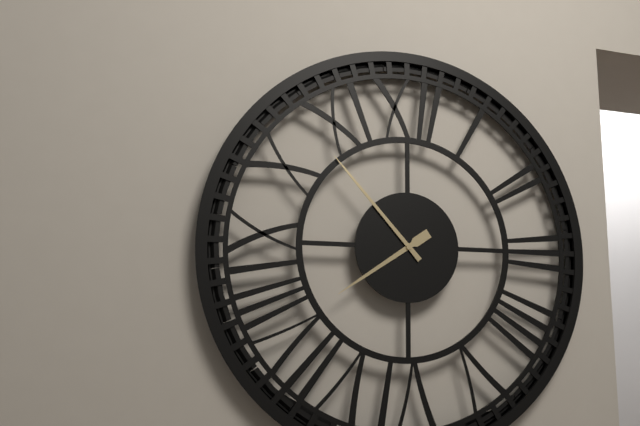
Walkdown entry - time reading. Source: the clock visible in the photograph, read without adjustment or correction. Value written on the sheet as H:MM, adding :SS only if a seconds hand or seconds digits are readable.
7:53
